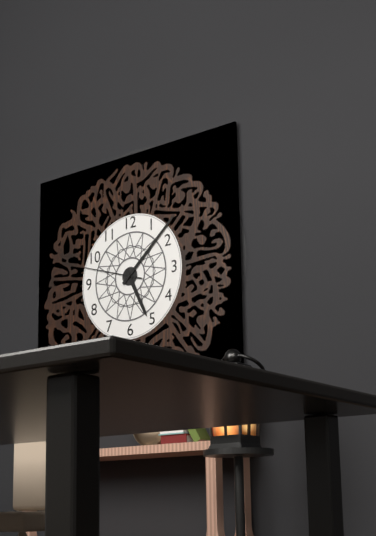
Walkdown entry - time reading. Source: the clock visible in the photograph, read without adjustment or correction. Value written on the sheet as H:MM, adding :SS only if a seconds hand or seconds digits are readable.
5:08:48
